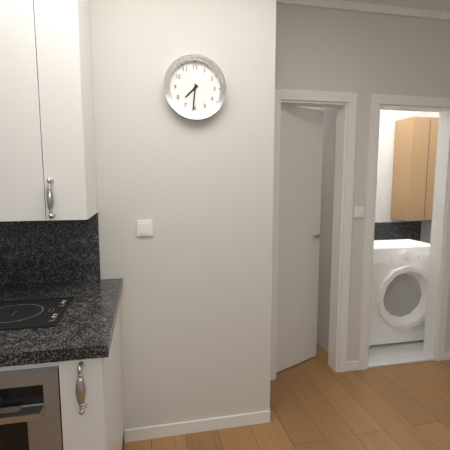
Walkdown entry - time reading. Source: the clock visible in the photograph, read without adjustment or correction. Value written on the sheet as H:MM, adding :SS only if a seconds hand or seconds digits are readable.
7:31
